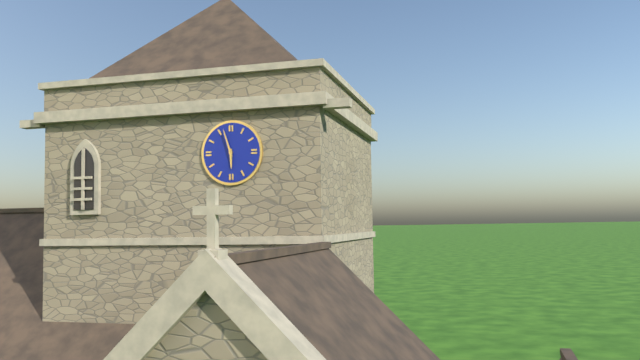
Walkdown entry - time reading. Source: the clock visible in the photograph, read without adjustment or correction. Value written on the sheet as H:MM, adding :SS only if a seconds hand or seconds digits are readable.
5:57
